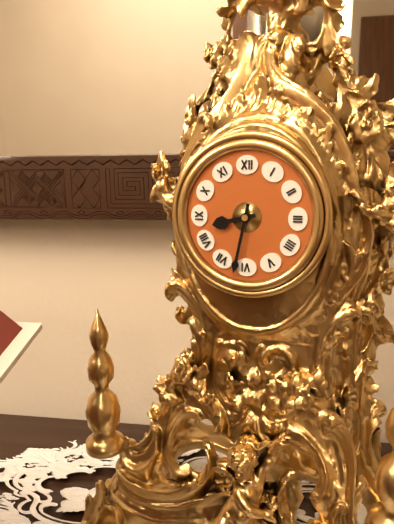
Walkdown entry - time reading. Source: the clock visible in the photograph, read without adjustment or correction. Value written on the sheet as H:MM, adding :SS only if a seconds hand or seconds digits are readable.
8:32
